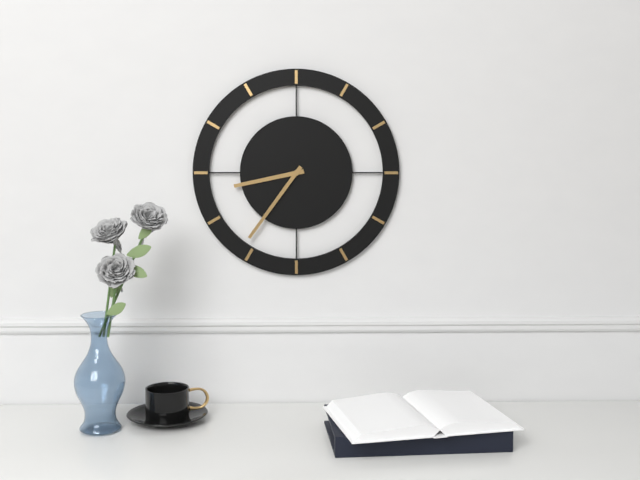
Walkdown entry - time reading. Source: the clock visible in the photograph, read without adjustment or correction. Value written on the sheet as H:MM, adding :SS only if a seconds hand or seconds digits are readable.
8:36
